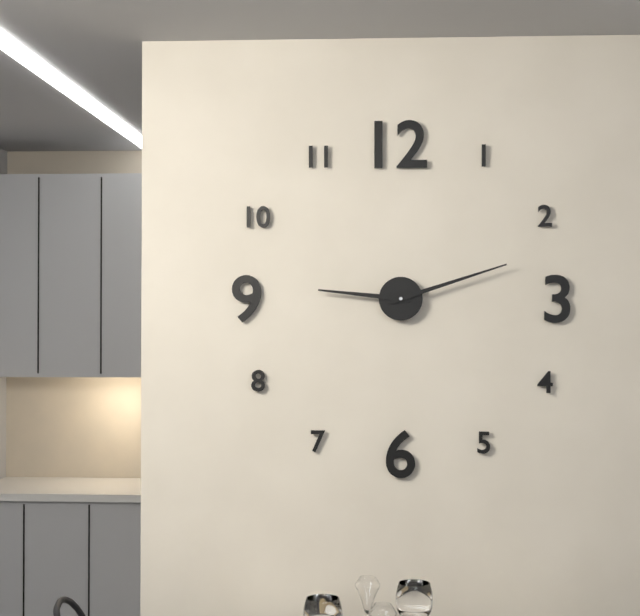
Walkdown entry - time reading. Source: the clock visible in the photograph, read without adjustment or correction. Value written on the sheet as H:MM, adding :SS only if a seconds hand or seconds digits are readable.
9:12
